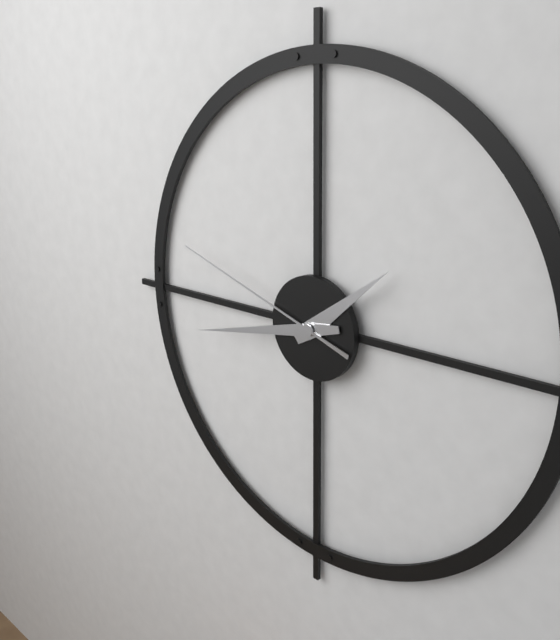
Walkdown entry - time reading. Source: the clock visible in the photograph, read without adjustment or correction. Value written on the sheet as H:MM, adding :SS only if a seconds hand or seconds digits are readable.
1:43:48
